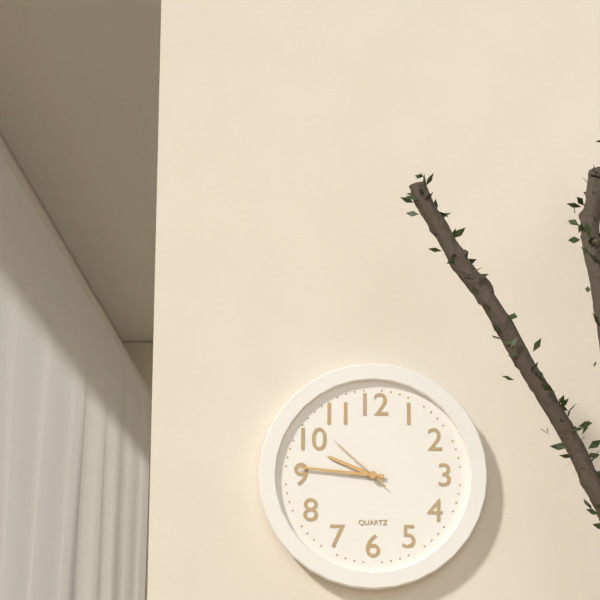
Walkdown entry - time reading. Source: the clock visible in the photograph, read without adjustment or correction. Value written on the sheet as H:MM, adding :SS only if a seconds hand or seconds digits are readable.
9:46:52
